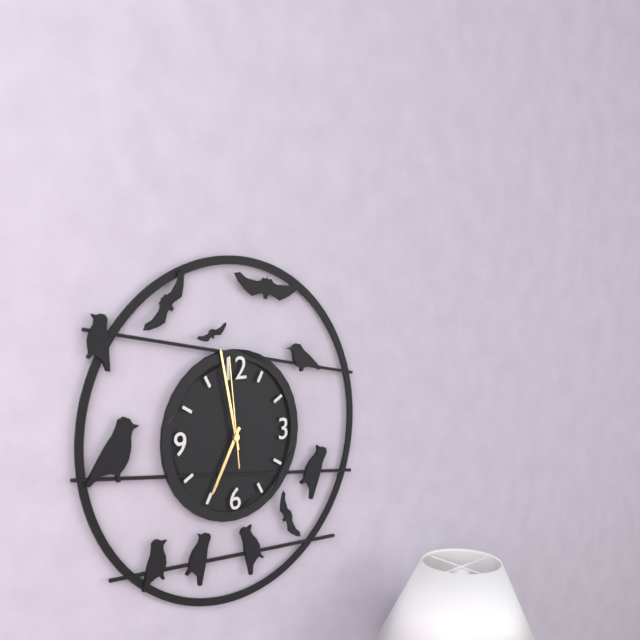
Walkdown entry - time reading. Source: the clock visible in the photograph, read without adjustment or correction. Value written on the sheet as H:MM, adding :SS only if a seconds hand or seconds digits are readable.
6:58:59
